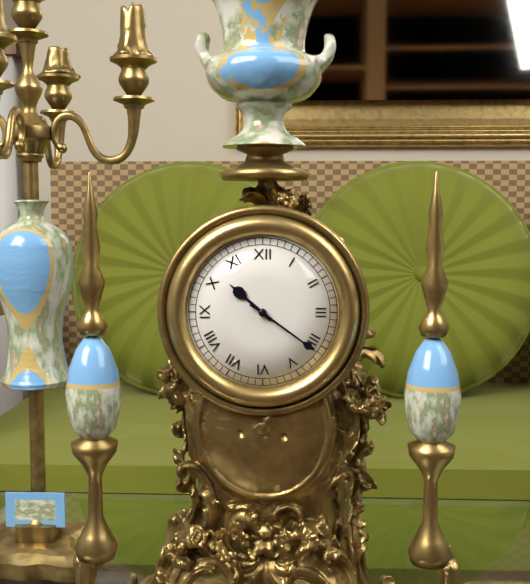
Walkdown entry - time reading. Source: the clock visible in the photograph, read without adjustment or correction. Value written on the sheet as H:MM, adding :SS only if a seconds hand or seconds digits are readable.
10:21
